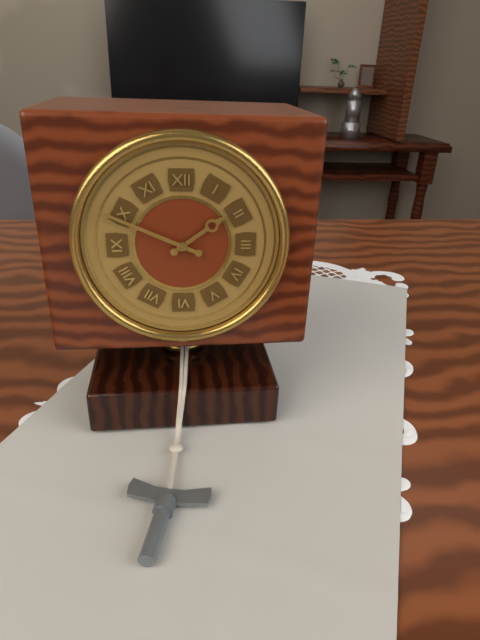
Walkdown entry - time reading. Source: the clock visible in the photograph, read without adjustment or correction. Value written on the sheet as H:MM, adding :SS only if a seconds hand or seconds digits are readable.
1:49
